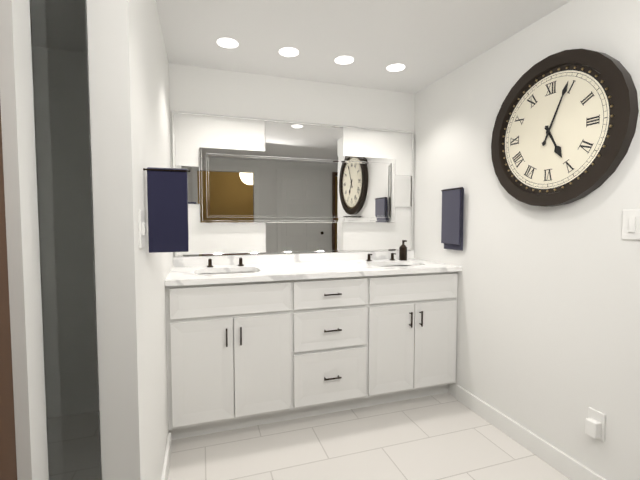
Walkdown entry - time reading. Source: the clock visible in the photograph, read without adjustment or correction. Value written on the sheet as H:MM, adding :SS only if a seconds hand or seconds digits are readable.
5:04
